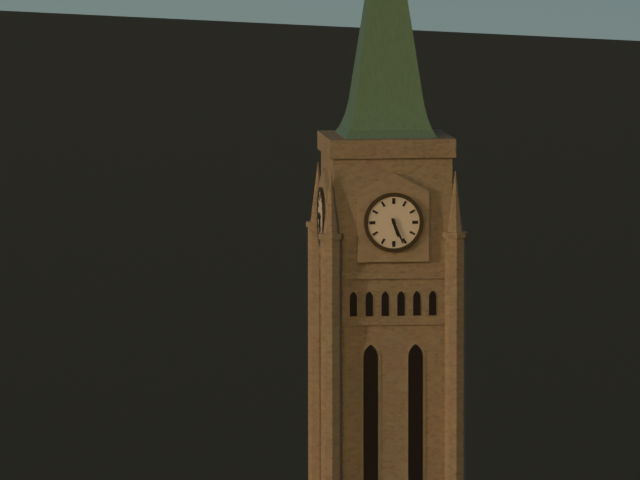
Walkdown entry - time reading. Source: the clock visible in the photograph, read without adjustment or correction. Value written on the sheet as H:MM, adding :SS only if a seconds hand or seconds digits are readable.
5:26
